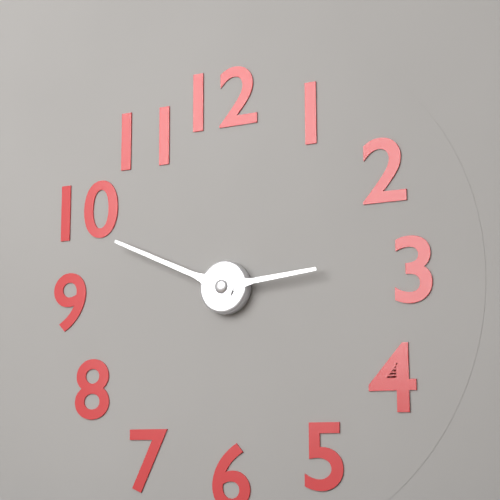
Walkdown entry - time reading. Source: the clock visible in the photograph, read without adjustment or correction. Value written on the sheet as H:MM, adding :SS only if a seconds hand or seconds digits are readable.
2:49
